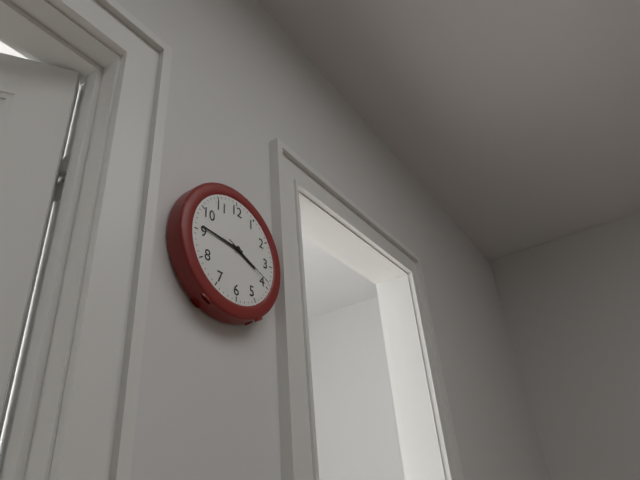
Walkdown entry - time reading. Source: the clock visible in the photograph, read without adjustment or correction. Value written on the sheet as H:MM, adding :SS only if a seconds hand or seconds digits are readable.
3:46:19
